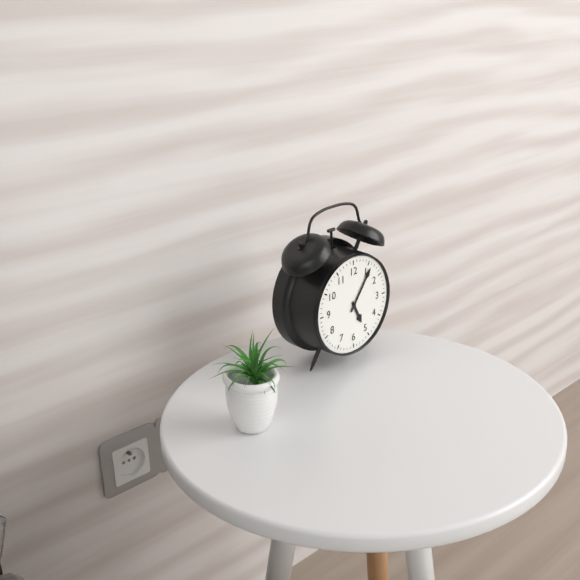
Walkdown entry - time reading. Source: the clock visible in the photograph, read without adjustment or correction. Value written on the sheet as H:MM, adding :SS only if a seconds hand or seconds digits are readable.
5:06
